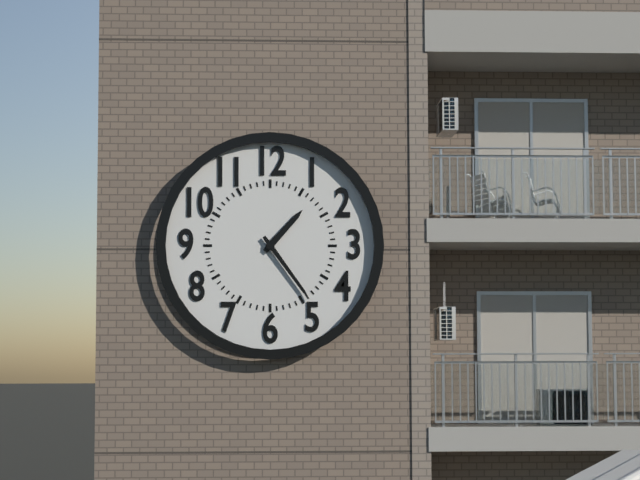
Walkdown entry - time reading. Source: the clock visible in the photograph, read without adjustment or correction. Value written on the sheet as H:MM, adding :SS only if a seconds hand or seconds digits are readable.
1:24
